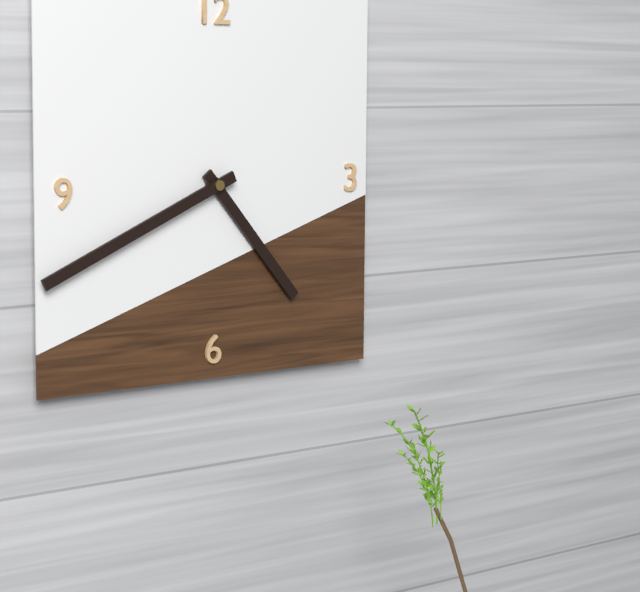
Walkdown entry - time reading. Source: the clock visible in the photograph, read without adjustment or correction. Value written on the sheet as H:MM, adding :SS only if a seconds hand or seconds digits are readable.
4:41
